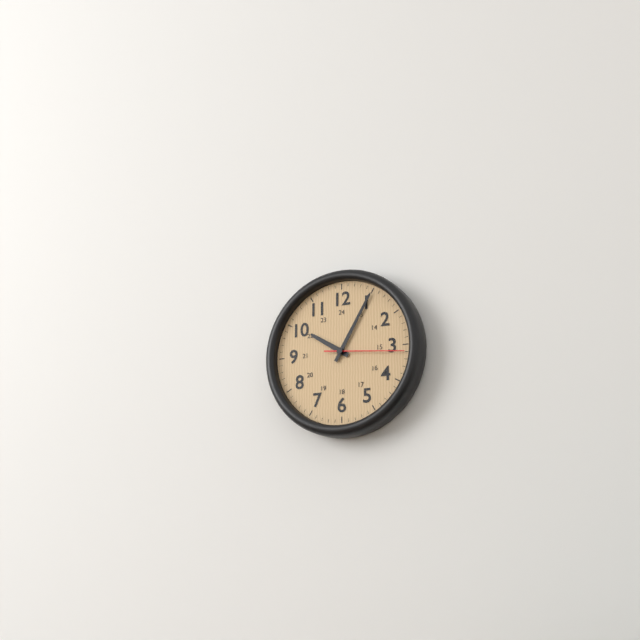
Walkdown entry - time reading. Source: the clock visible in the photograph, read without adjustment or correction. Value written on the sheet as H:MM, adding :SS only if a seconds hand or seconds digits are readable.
10:05:16
